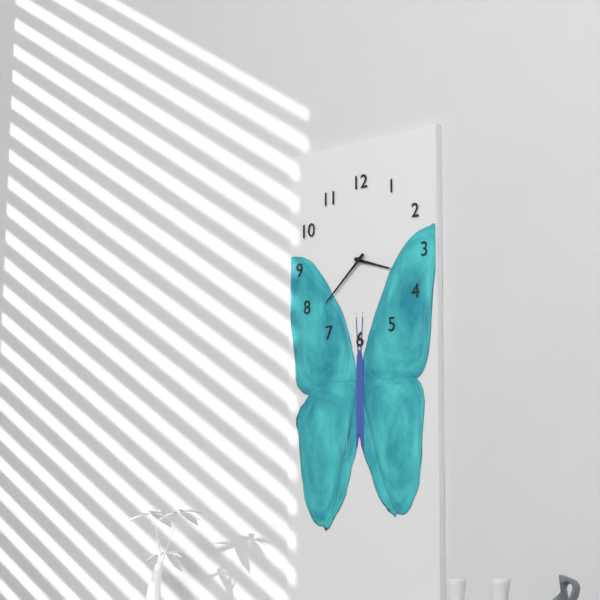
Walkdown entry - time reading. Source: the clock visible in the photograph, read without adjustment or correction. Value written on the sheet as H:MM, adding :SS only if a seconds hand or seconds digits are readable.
3:38
